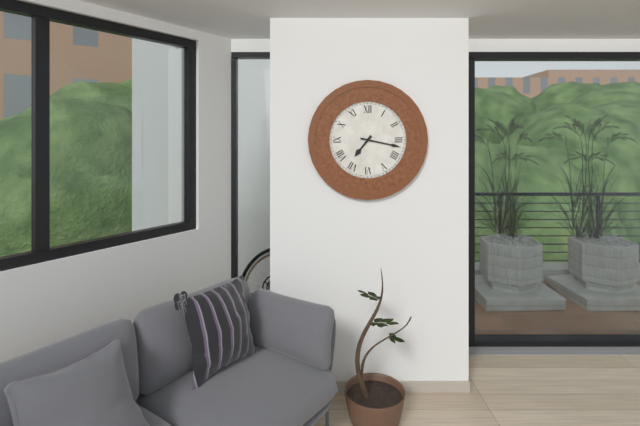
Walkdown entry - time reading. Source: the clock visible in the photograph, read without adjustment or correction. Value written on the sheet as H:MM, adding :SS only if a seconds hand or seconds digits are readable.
7:17
